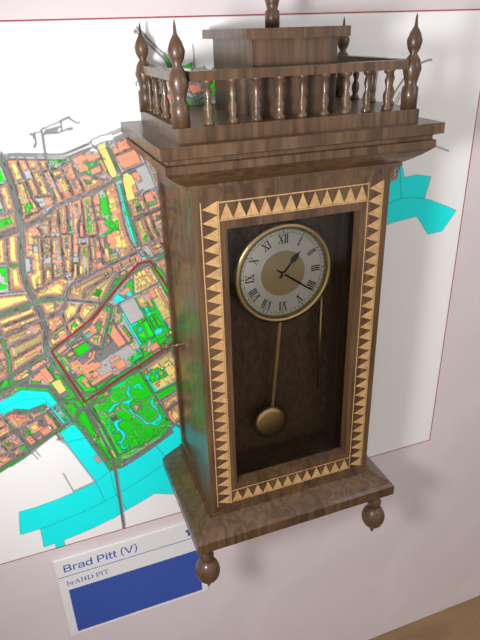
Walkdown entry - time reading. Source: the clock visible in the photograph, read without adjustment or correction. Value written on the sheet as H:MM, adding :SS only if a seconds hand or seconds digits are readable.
1:21
